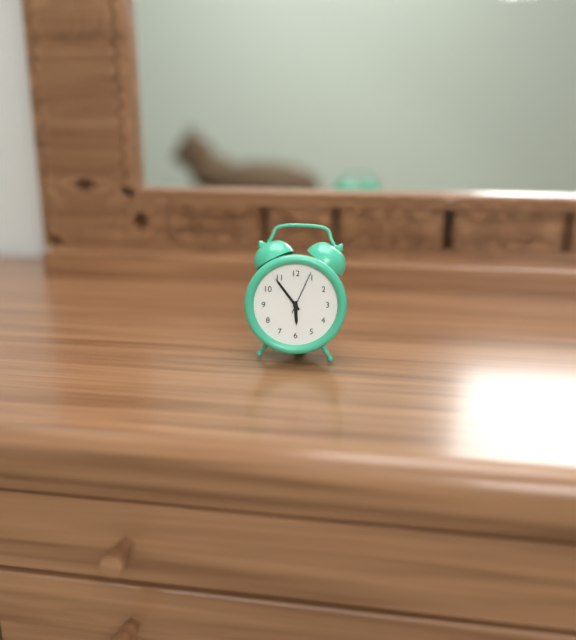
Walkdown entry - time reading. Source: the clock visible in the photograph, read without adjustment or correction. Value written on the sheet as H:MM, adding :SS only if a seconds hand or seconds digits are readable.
5:54
